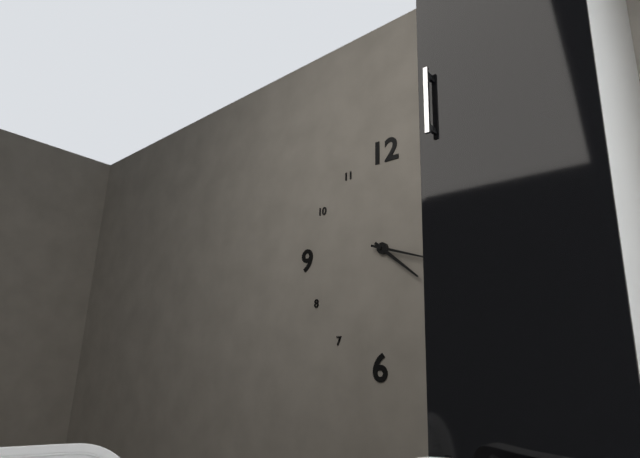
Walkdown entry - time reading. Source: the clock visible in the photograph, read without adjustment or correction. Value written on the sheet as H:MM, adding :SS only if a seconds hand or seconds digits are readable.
4:18
